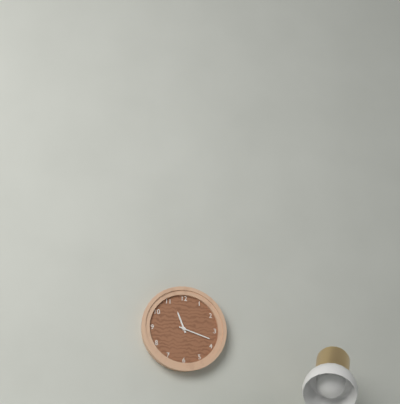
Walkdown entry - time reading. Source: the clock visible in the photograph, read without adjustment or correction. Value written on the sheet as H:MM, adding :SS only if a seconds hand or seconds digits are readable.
11:18
